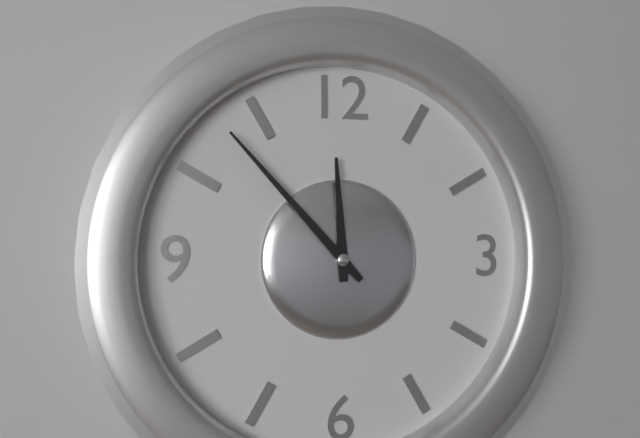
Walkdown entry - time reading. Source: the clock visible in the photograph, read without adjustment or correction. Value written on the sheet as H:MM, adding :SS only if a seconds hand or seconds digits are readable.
11:53
